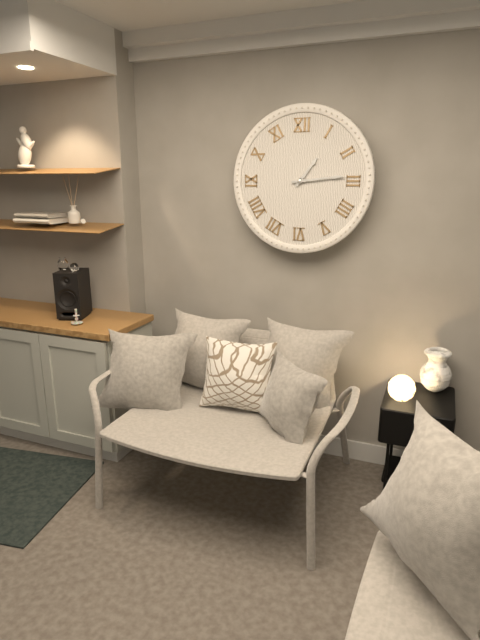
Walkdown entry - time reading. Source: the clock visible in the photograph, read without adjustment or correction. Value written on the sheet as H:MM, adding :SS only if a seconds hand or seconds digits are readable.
1:14
